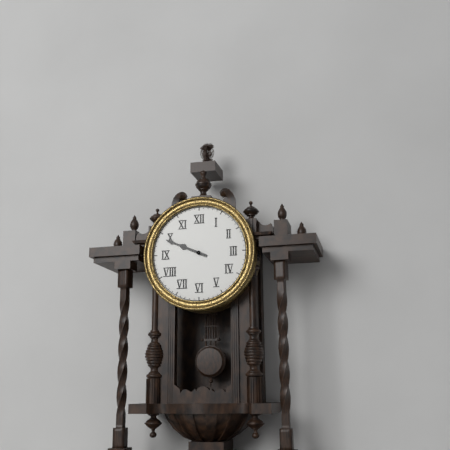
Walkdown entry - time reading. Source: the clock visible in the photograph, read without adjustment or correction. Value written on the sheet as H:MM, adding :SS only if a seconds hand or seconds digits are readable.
9:49
